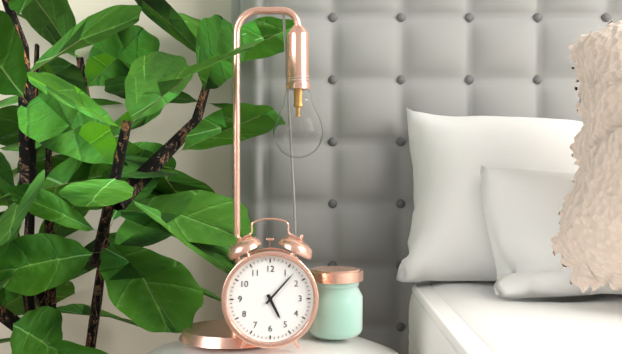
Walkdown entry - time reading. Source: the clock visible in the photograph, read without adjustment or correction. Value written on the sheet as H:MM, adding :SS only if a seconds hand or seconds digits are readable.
5:07
